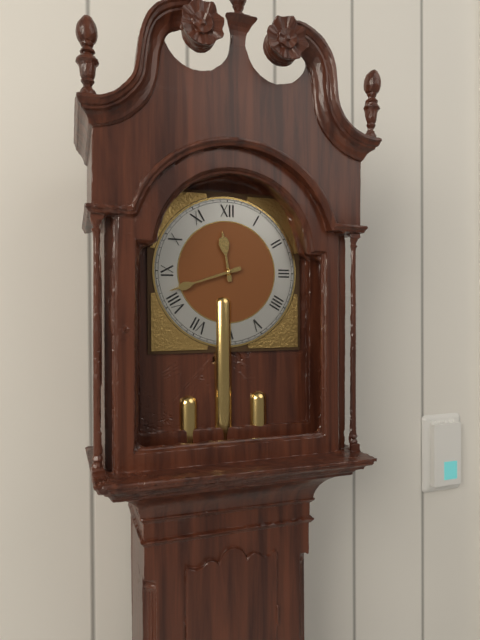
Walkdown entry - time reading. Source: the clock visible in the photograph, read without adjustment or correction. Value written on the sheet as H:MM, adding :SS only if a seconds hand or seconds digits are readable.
11:42
